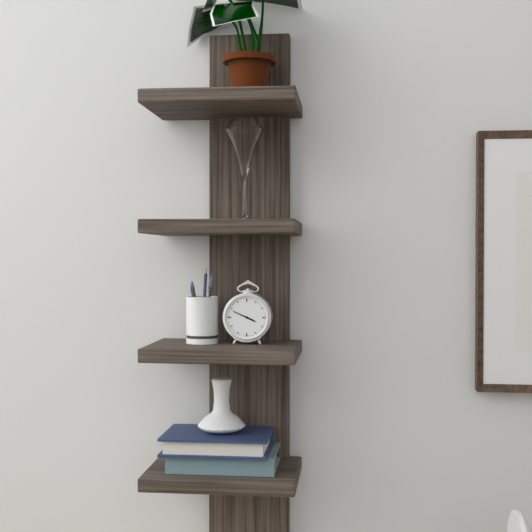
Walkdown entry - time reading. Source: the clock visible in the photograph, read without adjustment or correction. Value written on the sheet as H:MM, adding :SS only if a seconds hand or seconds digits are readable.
3:49
